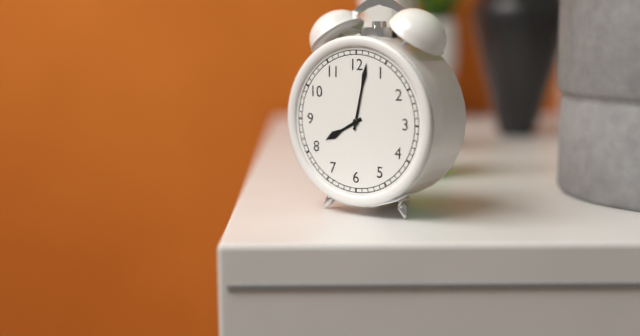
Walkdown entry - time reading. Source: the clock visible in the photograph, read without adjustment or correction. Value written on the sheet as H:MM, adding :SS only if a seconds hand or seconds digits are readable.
8:02
